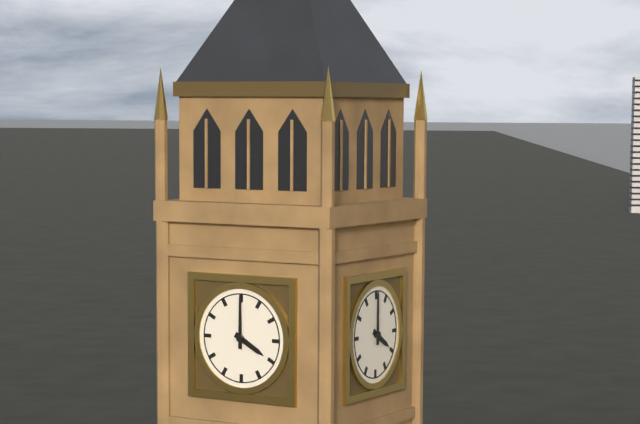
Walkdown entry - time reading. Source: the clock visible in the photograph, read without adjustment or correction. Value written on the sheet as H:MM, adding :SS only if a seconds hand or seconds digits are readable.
4:00
